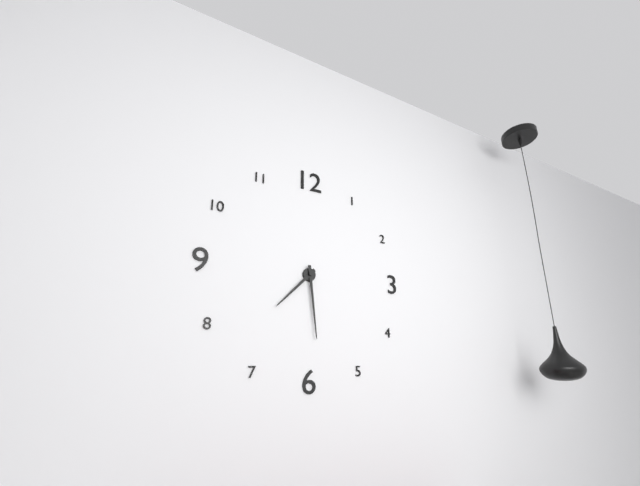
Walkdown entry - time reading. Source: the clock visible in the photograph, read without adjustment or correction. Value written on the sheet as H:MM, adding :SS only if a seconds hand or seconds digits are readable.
7:29
